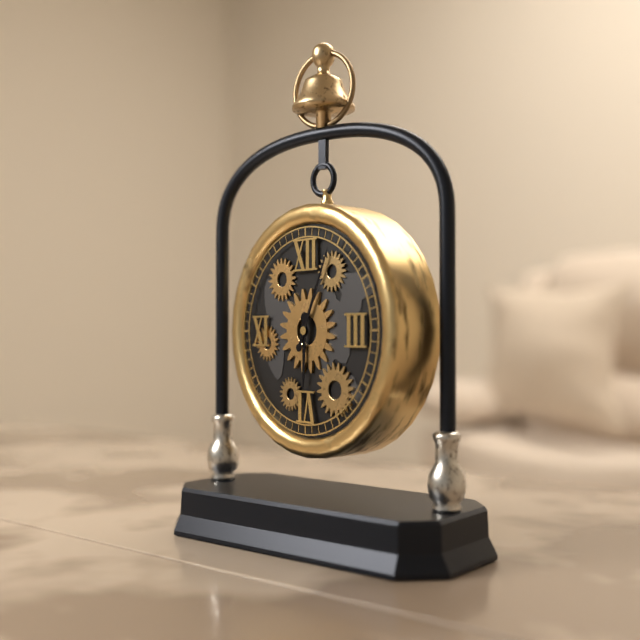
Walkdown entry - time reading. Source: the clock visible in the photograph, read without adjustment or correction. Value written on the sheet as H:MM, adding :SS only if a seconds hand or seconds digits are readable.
6:04
